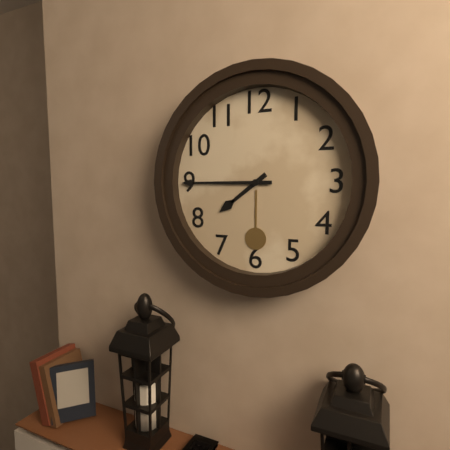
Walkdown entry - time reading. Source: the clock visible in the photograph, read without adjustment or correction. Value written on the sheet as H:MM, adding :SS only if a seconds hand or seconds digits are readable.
7:45
